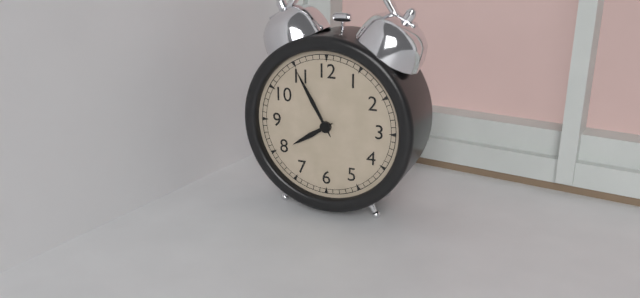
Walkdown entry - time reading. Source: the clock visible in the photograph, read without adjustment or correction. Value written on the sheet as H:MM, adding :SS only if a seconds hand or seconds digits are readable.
7:55
